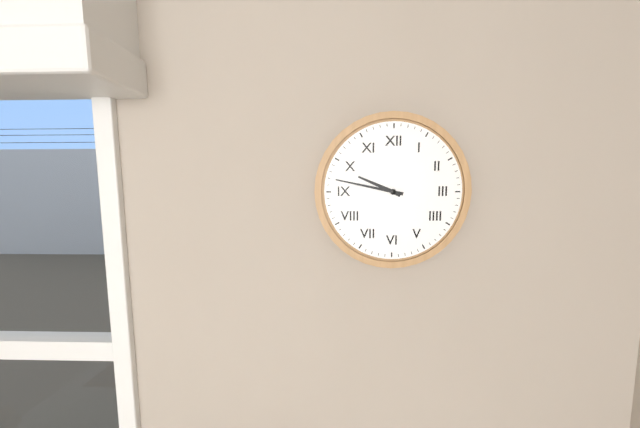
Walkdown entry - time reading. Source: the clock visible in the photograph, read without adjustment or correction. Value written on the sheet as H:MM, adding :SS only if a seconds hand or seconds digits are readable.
9:47
